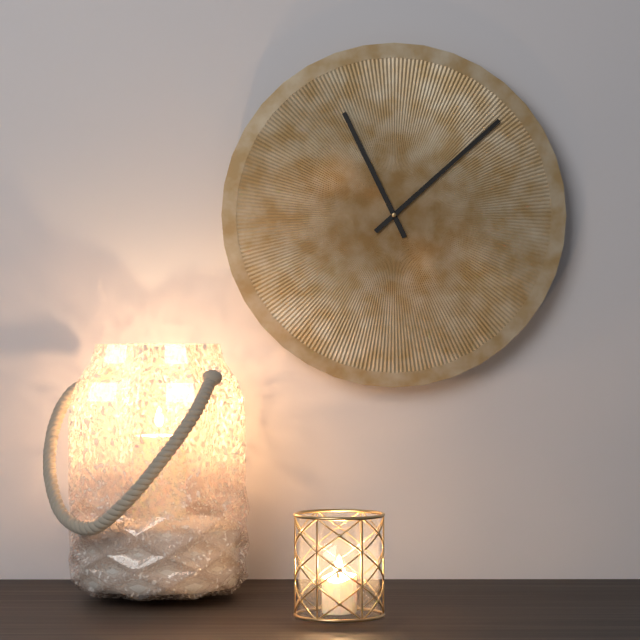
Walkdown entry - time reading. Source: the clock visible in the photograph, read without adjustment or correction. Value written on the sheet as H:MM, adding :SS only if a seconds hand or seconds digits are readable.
11:08
